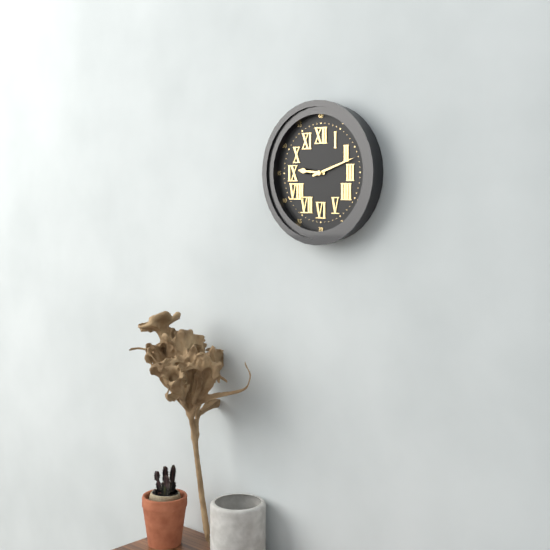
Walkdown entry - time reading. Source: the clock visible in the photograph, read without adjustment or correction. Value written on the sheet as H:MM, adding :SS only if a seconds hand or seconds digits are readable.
9:12
